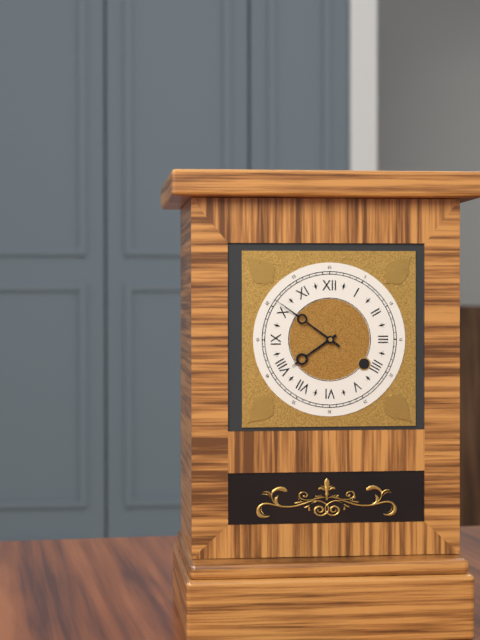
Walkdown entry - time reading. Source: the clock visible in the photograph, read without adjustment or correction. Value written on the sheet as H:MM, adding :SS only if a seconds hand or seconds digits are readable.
7:51
